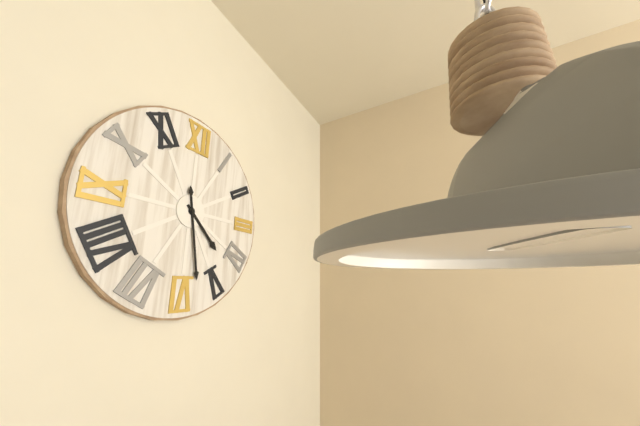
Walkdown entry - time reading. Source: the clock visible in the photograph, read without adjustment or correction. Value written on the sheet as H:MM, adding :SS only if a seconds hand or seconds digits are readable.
4:28
